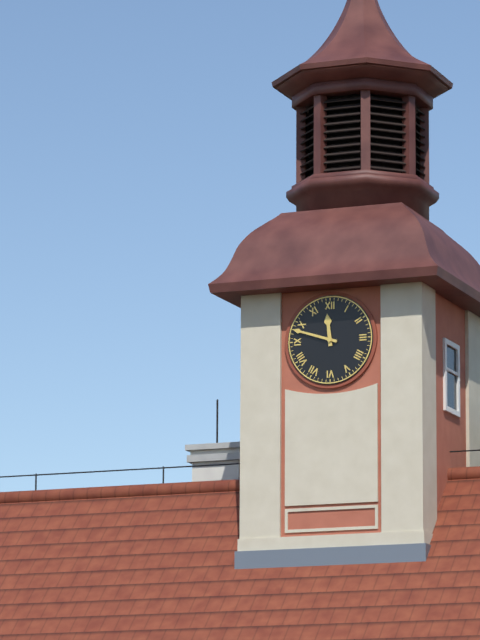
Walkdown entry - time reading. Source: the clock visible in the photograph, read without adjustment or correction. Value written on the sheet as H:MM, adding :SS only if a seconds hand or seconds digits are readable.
11:48
